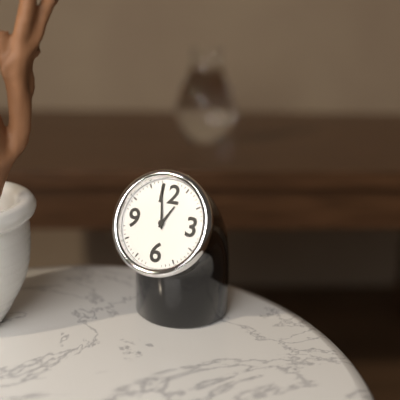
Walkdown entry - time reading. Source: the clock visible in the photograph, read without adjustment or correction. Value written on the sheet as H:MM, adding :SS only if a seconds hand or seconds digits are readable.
12:58
